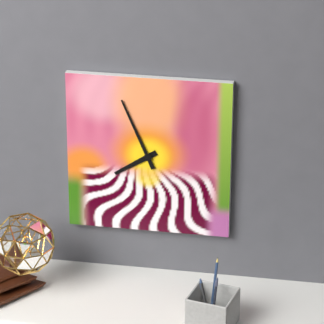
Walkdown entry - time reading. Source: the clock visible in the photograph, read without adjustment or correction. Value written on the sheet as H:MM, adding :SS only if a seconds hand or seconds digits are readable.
7:56
